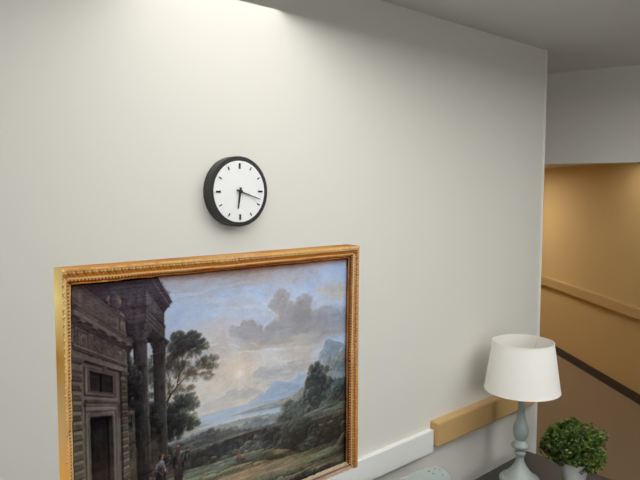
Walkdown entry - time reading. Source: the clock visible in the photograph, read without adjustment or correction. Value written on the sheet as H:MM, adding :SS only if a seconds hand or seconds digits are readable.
6:18
